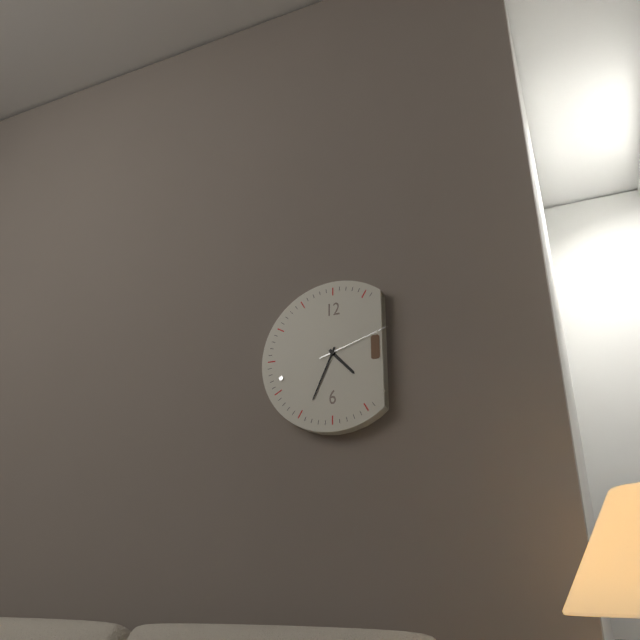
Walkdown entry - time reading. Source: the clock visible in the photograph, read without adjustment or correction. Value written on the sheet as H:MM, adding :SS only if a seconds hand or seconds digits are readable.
4:34:12
